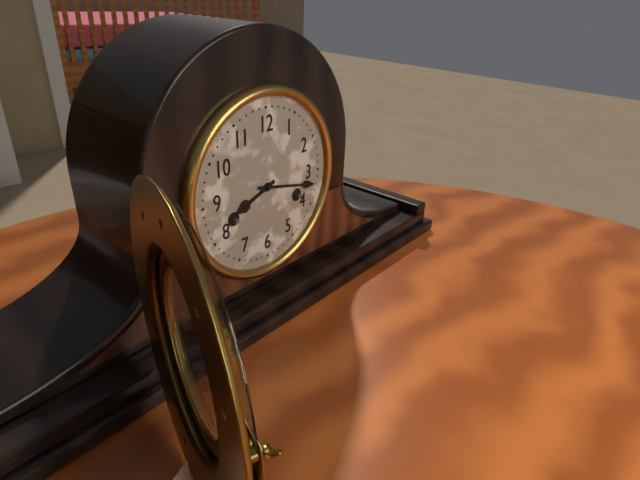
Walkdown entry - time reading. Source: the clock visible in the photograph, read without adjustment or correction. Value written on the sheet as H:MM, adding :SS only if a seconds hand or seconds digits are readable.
8:17
